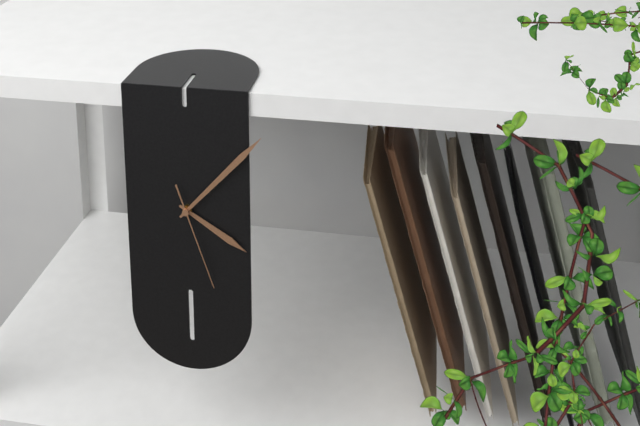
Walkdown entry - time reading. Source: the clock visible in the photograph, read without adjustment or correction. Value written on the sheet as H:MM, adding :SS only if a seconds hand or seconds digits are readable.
4:07:27
